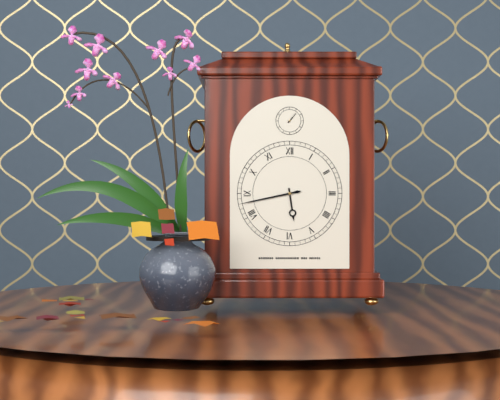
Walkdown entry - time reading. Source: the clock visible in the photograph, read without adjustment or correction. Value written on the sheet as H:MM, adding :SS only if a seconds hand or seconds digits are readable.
5:43
